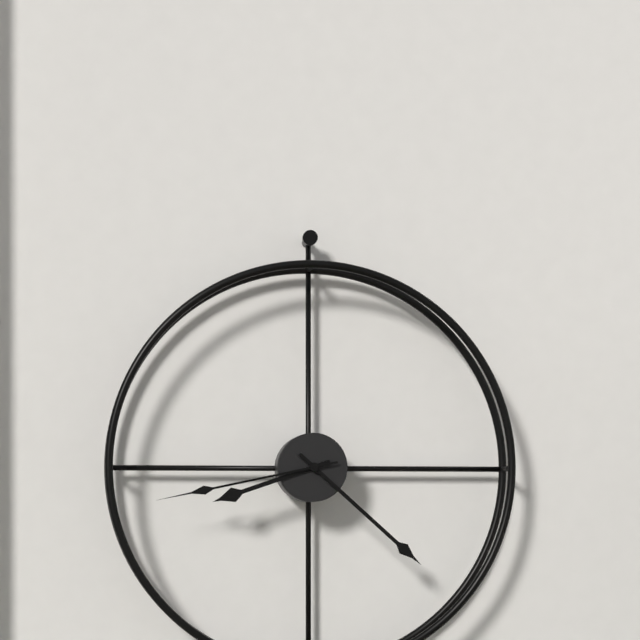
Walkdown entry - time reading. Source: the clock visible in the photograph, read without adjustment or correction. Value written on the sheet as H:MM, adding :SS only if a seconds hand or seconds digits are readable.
8:22:43
